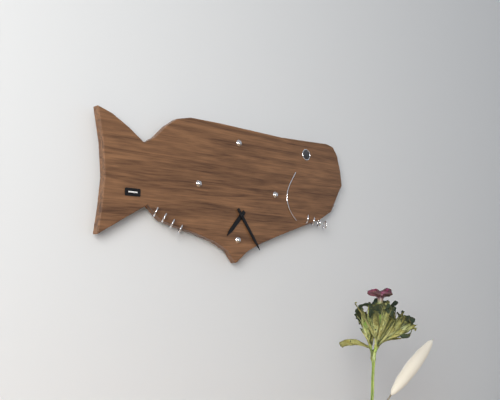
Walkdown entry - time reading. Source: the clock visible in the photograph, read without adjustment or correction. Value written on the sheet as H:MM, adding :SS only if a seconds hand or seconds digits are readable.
7:24
